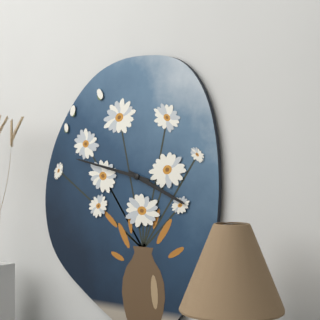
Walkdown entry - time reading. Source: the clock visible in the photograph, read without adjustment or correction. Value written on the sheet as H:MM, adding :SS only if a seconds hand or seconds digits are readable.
3:47
